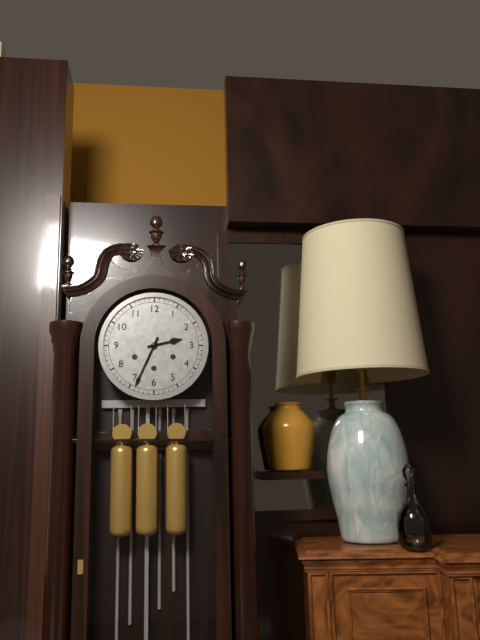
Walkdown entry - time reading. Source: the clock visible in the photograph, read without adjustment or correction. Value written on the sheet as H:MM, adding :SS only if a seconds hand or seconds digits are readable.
2:34
